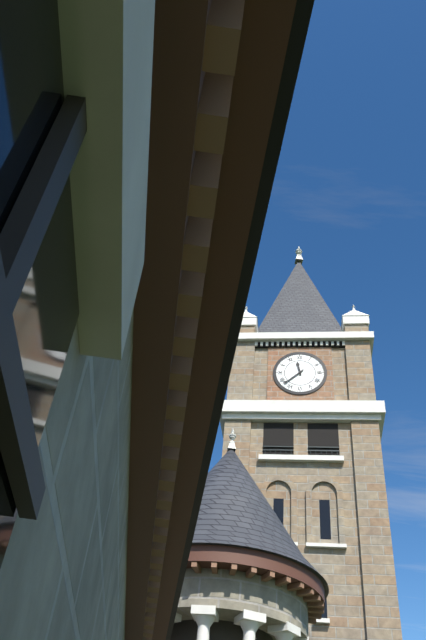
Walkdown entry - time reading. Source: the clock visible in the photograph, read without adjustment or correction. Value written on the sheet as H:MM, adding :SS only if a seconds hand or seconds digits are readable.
11:38
